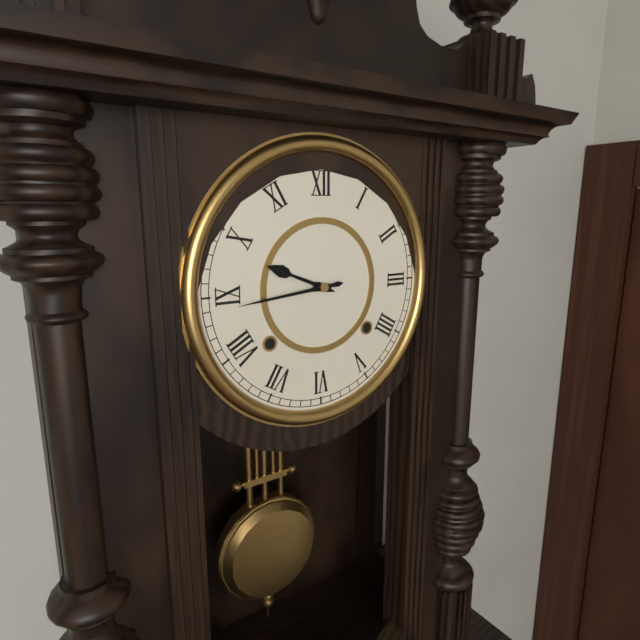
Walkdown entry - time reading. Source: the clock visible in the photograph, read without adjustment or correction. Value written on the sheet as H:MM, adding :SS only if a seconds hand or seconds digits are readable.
9:44
